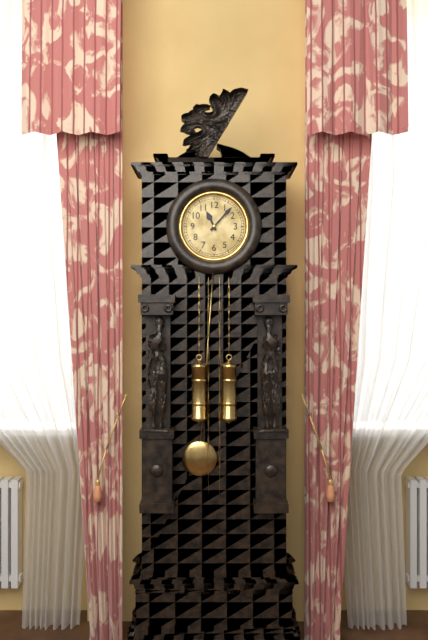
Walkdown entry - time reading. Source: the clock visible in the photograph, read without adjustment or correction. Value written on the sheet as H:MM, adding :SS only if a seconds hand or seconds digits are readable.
11:07
